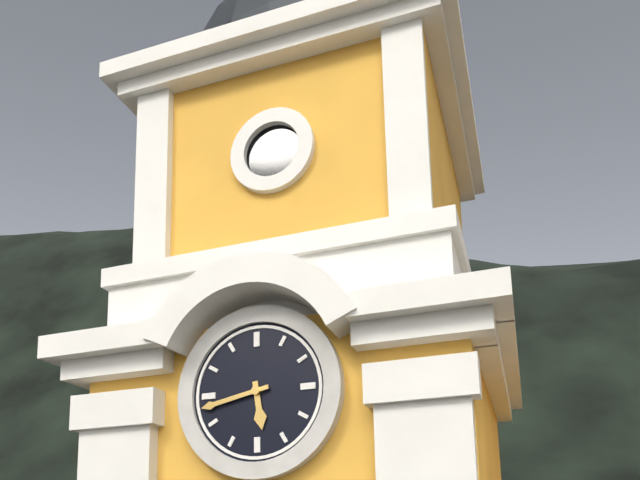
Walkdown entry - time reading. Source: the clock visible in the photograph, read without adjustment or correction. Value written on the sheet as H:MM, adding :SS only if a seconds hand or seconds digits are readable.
5:43
